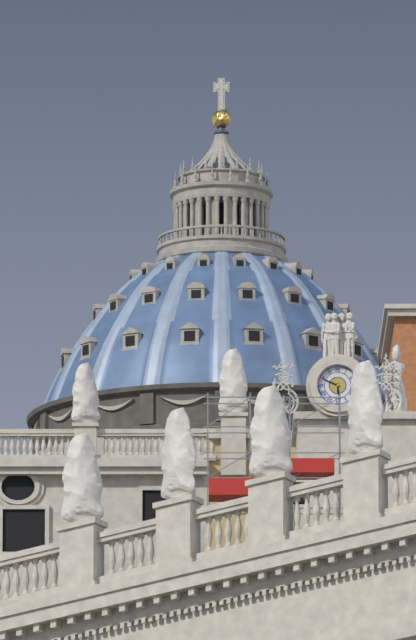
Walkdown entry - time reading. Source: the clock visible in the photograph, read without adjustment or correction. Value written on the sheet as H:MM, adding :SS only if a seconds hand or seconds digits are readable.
5:49
